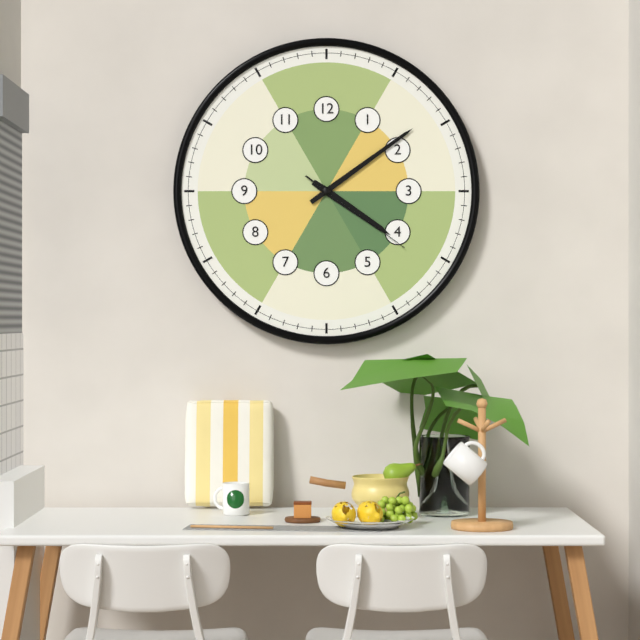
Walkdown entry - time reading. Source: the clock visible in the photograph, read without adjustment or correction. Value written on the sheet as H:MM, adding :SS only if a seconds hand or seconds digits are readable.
4:09:21
